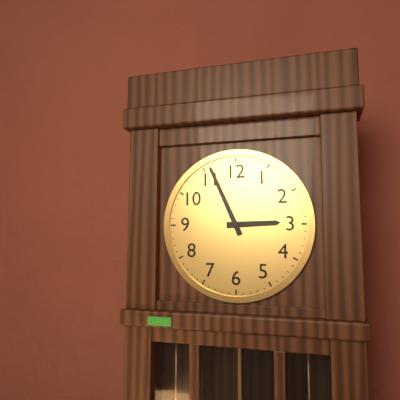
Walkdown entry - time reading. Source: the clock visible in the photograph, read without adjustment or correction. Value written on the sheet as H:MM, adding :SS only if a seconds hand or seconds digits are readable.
2:56
